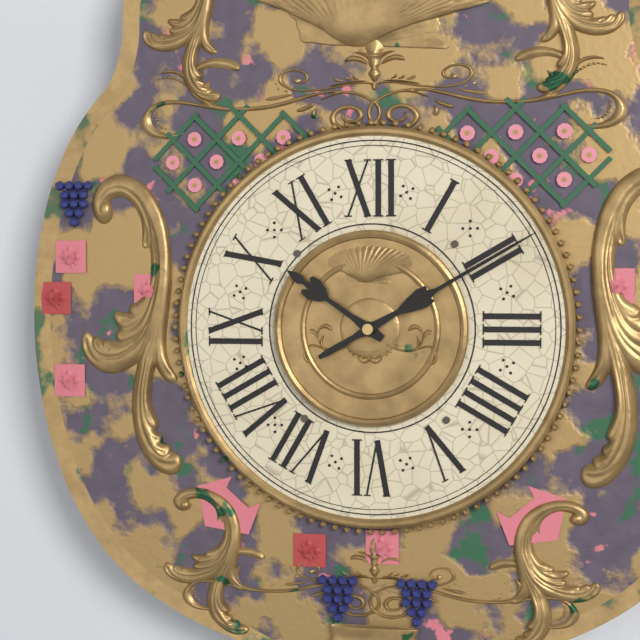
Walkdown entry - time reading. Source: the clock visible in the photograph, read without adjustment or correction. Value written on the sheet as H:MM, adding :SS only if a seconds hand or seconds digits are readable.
10:10
